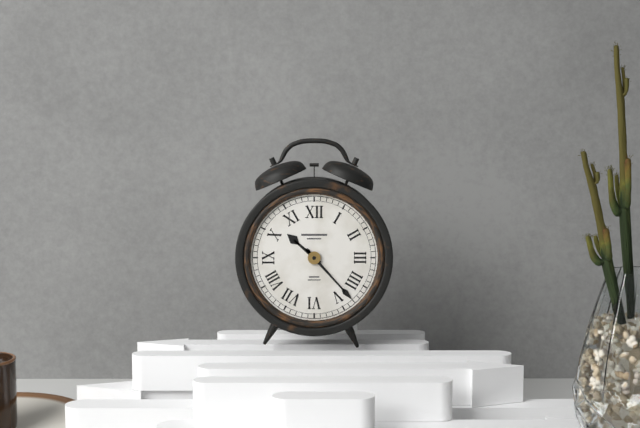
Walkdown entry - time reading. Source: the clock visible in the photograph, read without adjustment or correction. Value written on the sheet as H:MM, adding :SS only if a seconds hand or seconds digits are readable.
10:23
